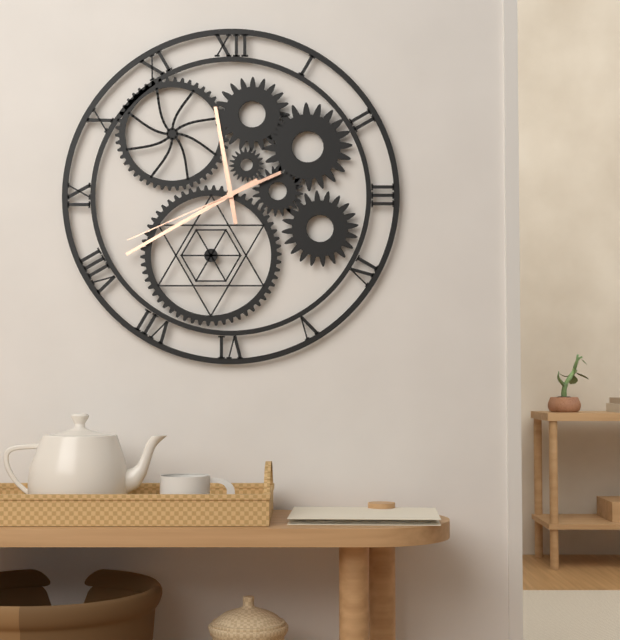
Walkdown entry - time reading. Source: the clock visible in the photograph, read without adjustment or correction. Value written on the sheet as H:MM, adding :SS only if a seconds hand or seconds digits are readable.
11:40:41
